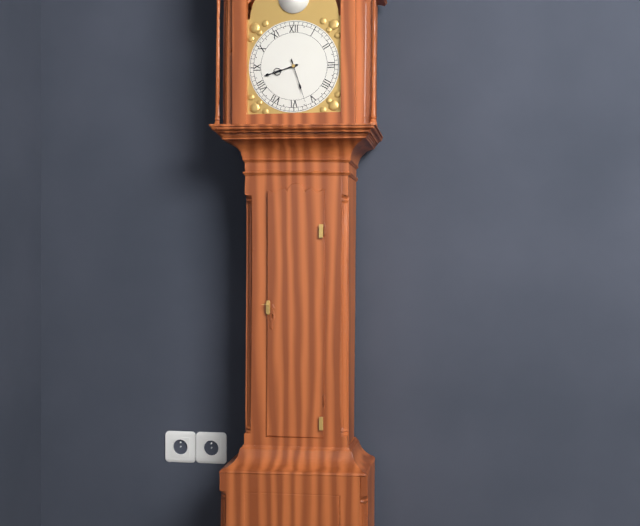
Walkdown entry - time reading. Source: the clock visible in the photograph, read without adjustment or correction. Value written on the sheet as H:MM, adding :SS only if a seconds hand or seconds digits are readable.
8:27
